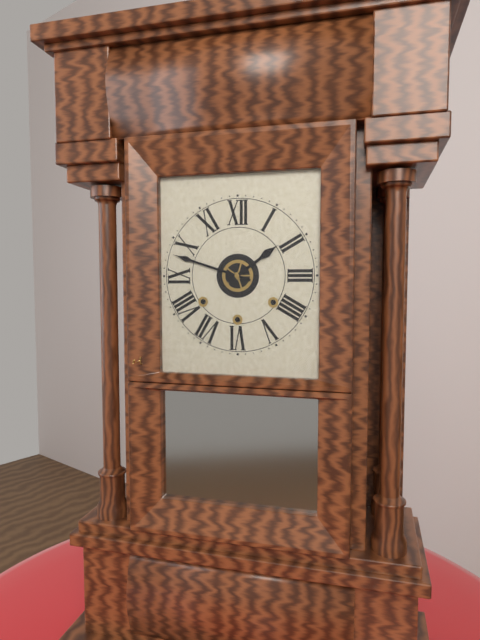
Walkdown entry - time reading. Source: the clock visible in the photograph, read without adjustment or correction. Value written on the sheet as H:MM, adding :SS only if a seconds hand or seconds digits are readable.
1:48
